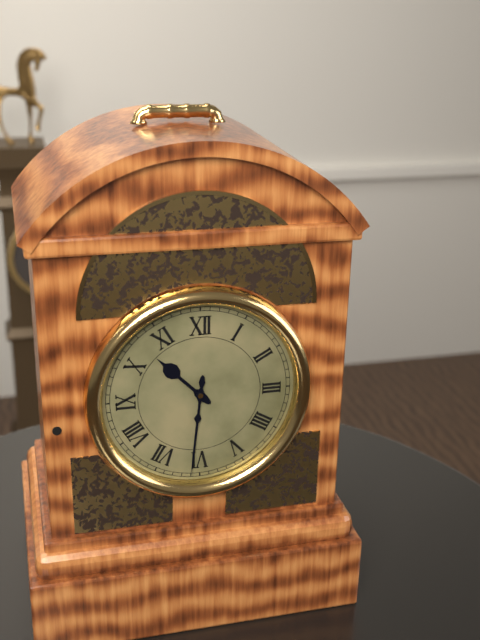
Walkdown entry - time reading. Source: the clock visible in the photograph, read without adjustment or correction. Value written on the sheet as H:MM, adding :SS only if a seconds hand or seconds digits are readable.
10:31
